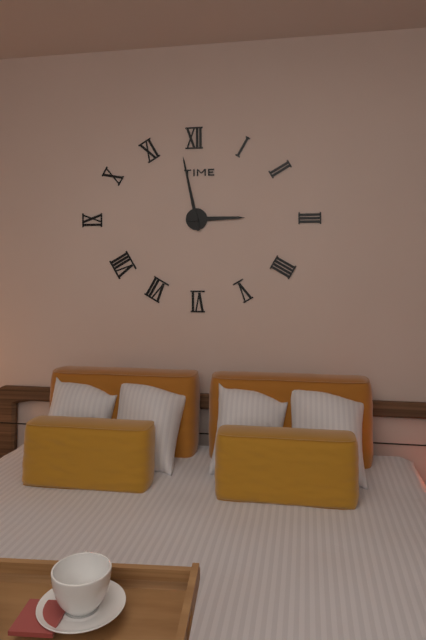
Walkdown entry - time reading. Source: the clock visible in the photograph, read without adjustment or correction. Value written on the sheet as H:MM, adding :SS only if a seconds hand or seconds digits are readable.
2:58
